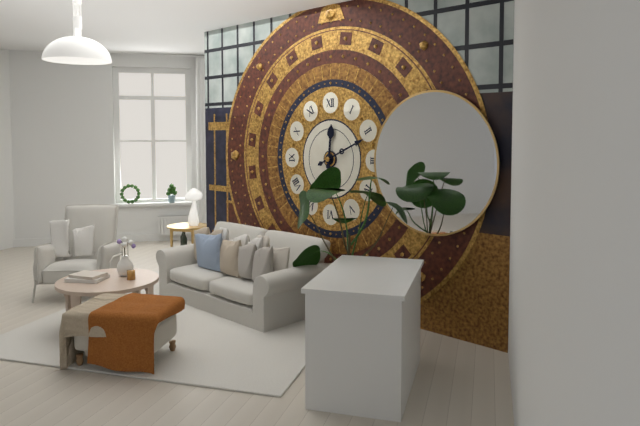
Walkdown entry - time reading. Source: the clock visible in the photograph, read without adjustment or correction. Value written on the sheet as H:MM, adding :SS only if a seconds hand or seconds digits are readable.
12:11
